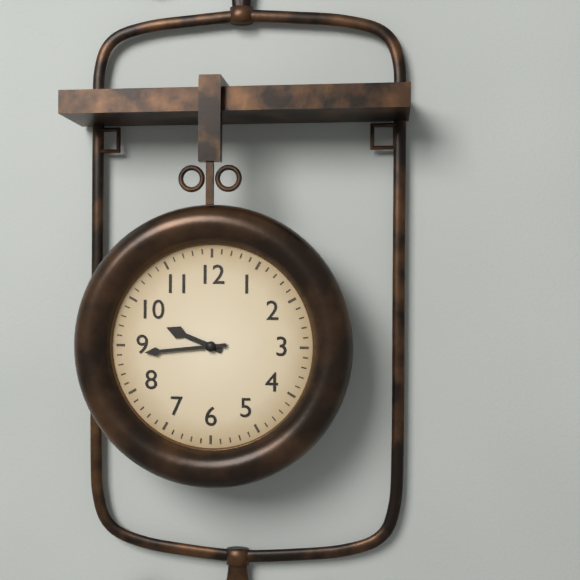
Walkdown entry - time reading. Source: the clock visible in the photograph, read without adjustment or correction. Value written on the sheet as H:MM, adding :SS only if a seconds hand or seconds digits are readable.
9:44
